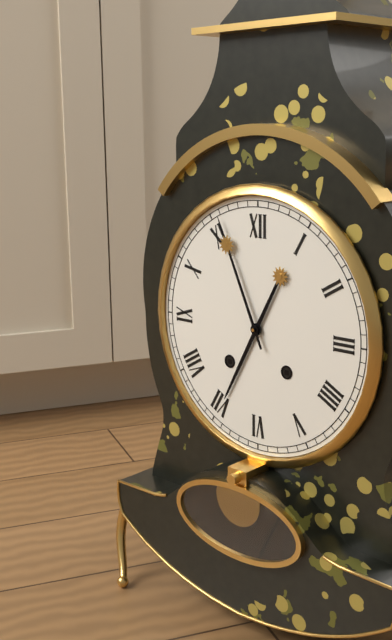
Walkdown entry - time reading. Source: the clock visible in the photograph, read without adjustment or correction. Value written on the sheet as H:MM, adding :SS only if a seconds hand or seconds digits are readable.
6:56
